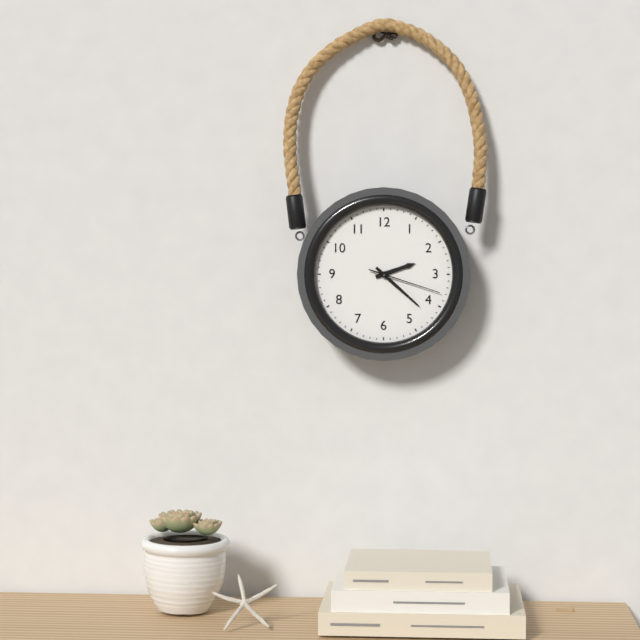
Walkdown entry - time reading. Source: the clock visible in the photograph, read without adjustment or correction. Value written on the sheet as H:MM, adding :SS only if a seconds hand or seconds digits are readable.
2:22:18
